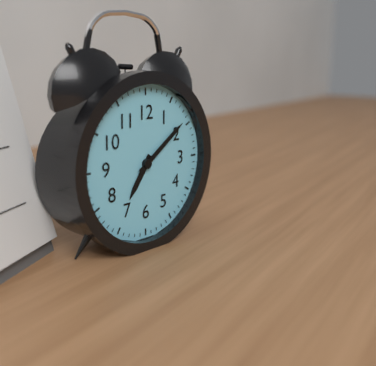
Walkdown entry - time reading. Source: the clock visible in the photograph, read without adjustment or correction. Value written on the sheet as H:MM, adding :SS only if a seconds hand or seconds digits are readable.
7:09
